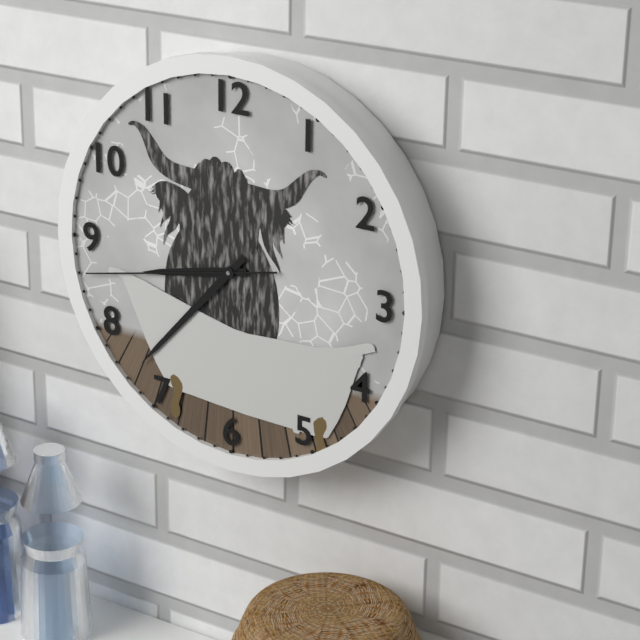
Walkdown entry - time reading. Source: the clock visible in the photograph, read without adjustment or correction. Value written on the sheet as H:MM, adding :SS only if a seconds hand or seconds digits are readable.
8:37:43
